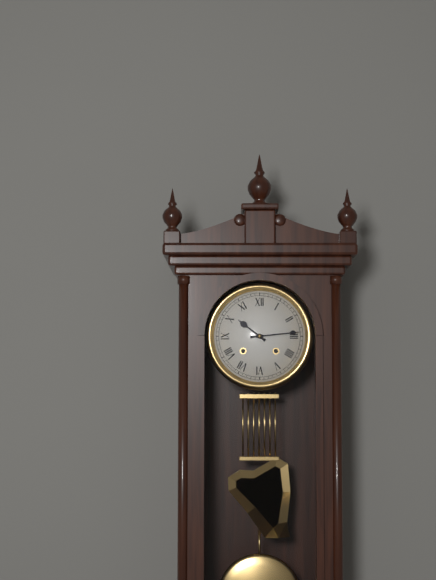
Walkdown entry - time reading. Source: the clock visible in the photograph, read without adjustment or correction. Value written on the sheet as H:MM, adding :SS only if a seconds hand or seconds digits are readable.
10:14
